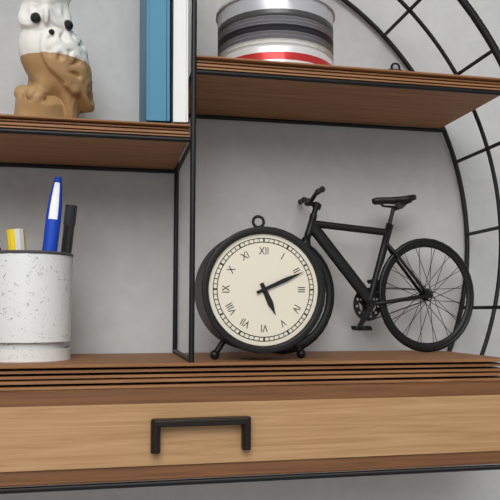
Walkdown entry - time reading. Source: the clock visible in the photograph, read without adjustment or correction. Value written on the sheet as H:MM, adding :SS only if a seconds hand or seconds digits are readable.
5:11
